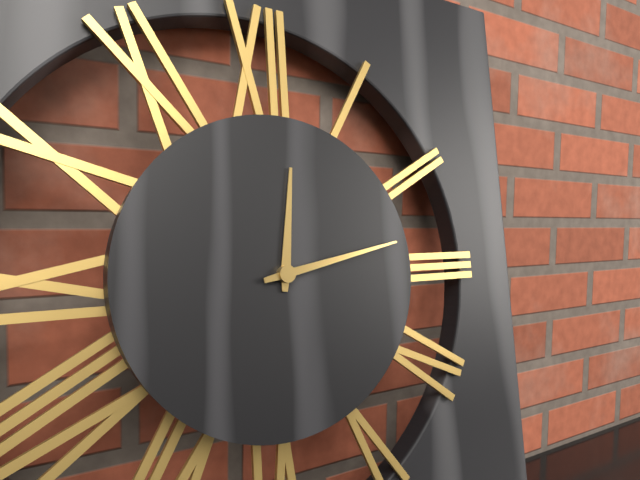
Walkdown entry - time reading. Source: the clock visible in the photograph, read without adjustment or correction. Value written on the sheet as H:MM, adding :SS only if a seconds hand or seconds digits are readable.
12:13
